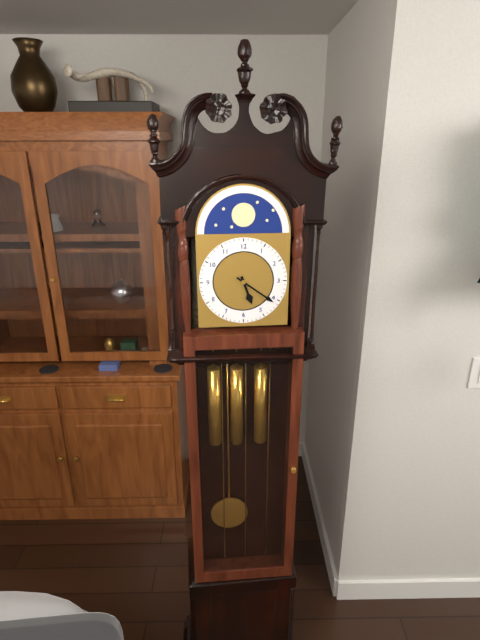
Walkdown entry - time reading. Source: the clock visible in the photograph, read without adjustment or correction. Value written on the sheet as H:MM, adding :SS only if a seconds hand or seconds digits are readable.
5:21
